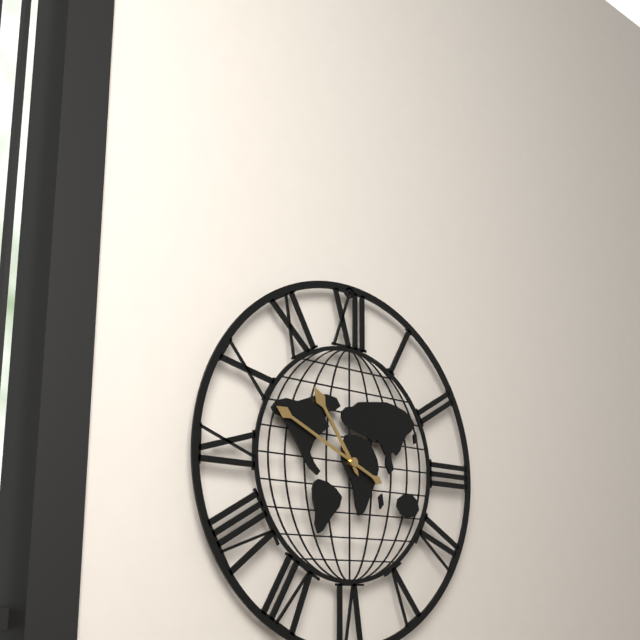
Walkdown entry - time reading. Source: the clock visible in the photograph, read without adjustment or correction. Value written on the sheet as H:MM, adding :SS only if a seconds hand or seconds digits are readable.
10:49
